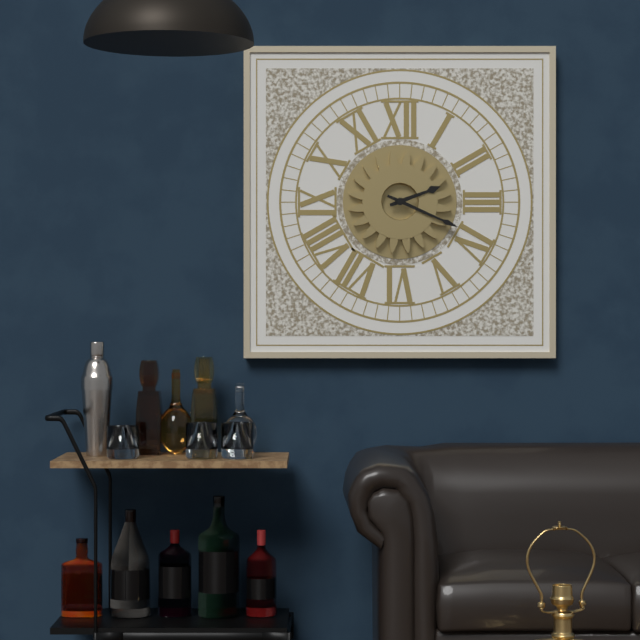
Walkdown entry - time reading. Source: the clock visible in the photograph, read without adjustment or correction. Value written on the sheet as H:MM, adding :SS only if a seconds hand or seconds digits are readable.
2:19
